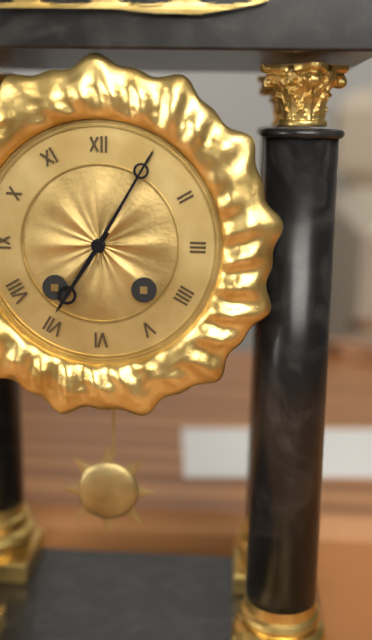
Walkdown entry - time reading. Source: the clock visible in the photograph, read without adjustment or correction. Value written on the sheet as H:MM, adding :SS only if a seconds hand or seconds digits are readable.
7:05
